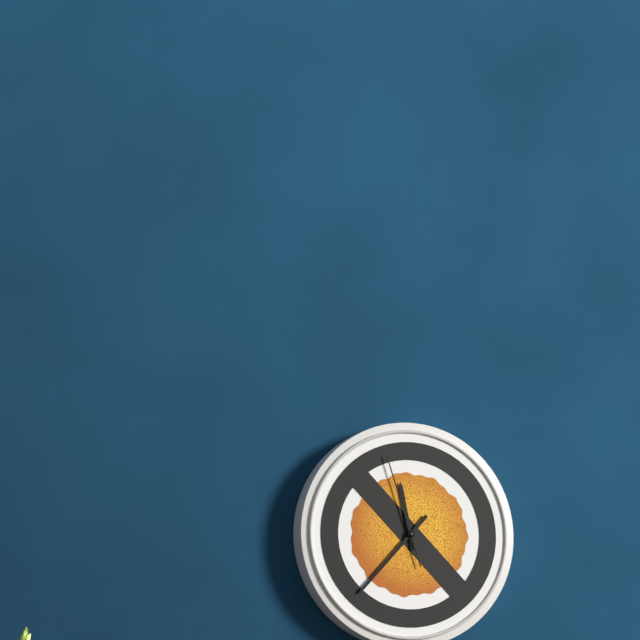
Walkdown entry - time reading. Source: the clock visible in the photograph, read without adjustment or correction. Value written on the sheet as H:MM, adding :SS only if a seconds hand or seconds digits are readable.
11:37:57
